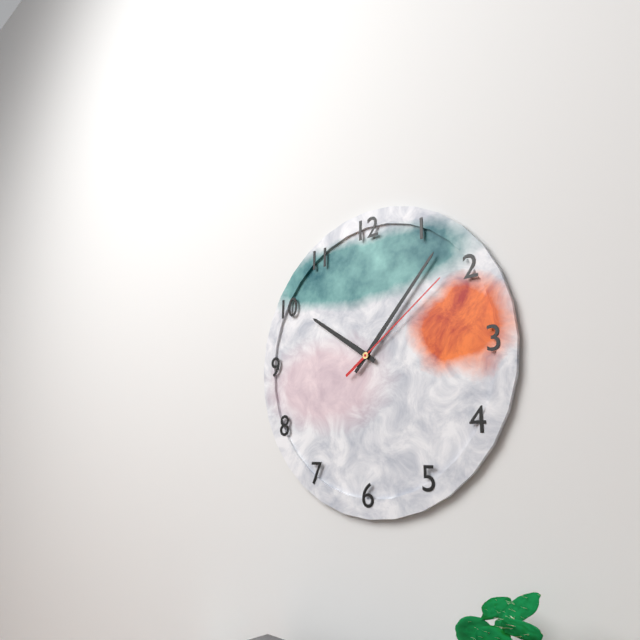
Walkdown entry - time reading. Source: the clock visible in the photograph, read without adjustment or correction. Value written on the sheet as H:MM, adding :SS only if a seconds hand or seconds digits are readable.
10:07:09
